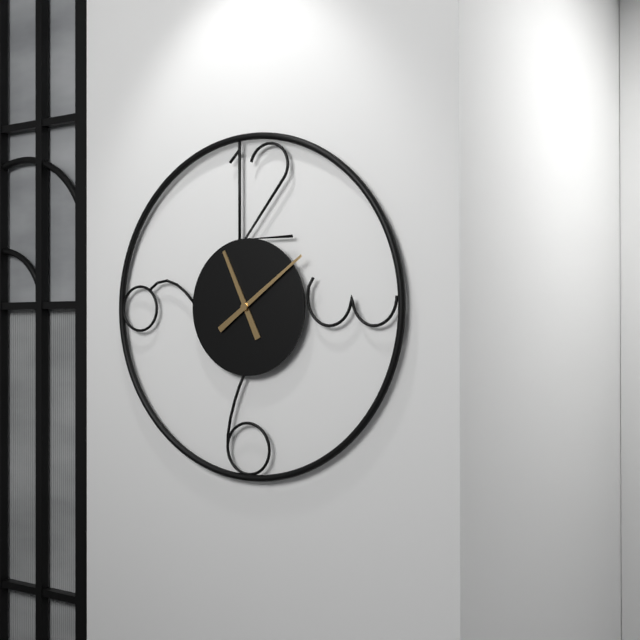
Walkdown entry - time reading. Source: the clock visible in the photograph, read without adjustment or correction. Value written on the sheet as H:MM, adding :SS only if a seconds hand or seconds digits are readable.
11:09
